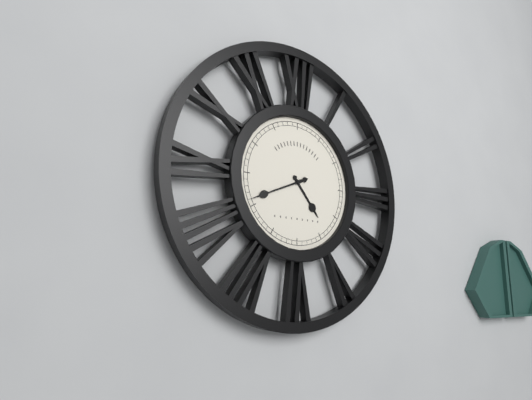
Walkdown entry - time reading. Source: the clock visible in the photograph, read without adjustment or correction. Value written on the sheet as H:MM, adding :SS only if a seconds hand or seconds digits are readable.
4:41
